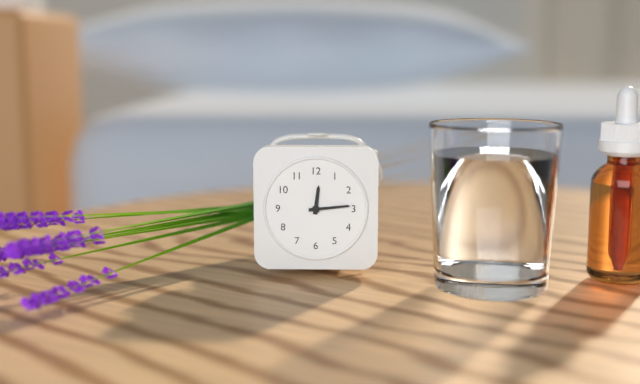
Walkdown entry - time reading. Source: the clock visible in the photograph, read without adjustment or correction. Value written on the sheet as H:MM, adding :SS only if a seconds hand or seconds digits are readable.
12:14
